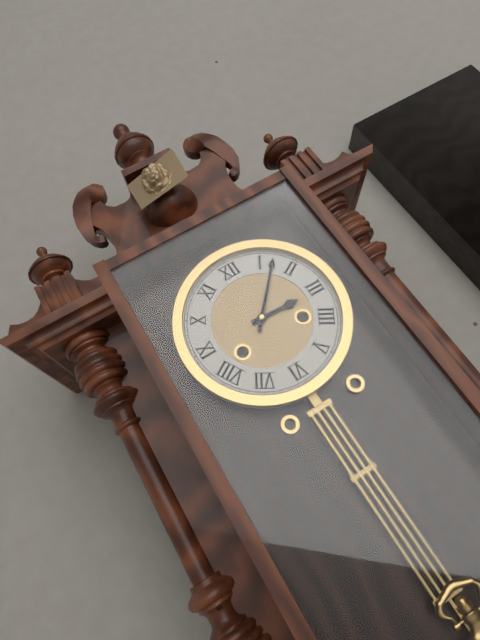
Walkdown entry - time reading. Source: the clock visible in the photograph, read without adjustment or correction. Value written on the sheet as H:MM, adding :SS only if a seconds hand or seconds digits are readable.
3:07
